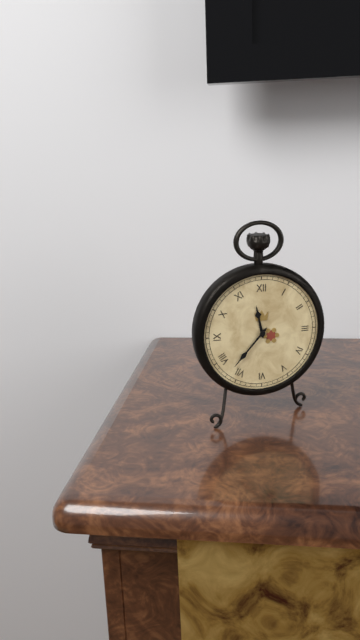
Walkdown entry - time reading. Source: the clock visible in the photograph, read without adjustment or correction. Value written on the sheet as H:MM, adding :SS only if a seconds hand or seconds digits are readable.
11:37
